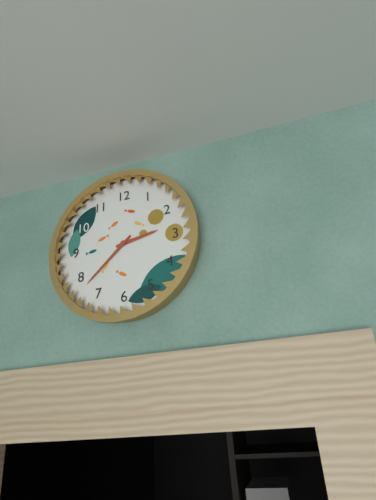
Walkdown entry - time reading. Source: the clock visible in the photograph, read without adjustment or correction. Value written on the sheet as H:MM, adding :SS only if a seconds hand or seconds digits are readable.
2:38
